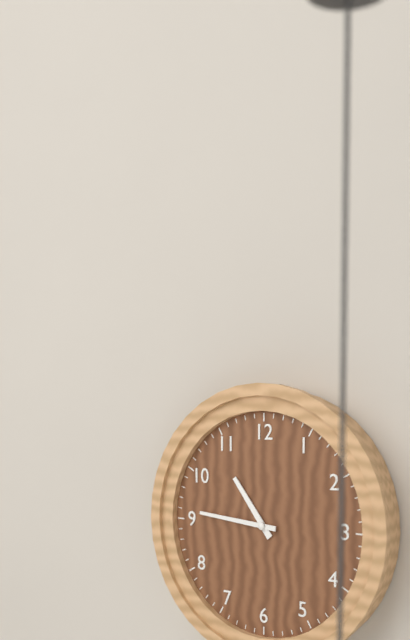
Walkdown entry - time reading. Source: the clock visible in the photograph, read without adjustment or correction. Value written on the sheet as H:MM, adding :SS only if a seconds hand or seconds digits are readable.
10:46
